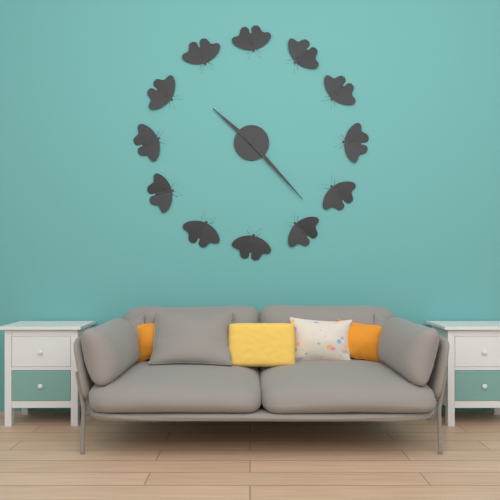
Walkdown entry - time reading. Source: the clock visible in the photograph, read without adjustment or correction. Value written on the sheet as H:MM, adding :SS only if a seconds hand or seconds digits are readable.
10:23
